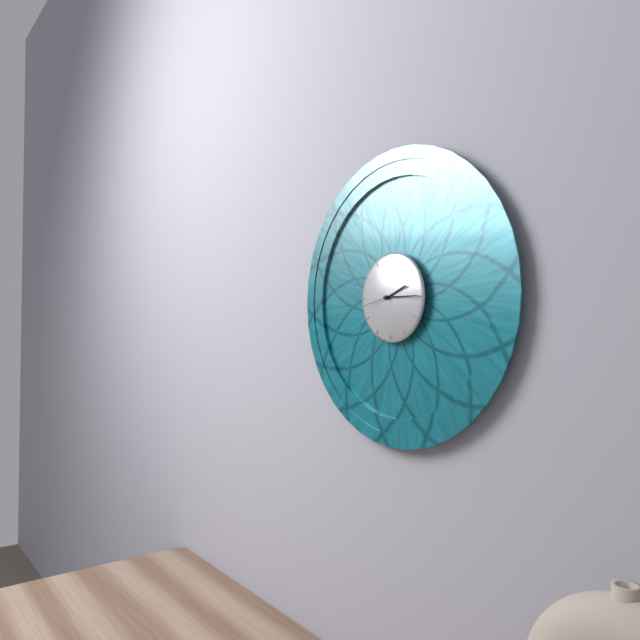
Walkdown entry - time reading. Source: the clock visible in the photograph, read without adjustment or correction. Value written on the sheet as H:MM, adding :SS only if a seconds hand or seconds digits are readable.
2:15
